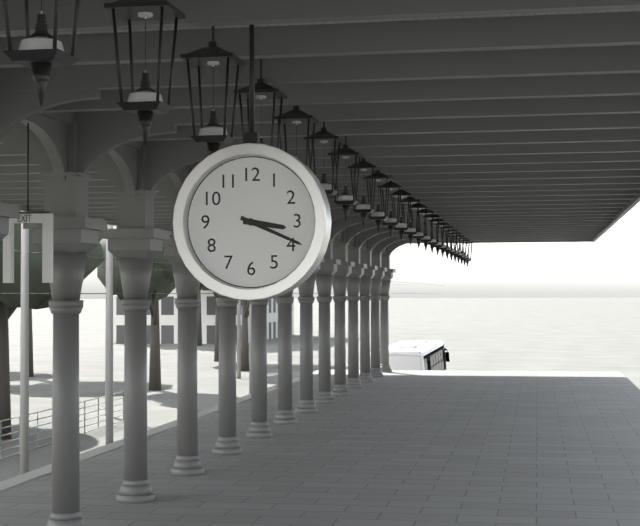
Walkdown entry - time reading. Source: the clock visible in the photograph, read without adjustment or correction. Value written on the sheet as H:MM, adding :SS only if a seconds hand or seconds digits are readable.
3:19
